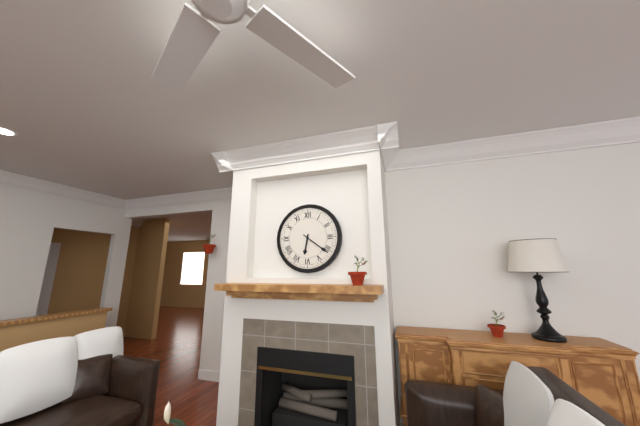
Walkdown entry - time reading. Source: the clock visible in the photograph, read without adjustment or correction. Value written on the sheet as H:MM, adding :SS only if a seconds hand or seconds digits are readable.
6:21
